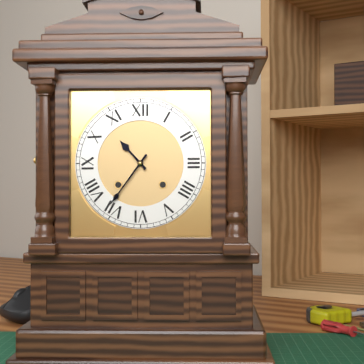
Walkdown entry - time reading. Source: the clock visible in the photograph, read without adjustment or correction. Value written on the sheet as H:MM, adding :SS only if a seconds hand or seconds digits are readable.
10:36
